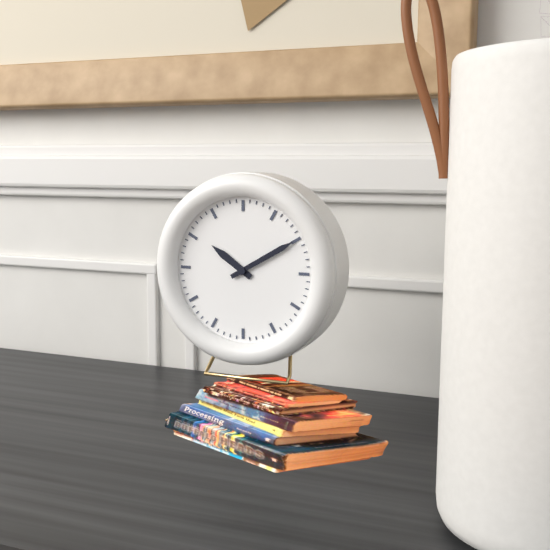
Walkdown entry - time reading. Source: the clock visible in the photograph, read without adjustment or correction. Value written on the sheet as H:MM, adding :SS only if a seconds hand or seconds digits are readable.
10:10
